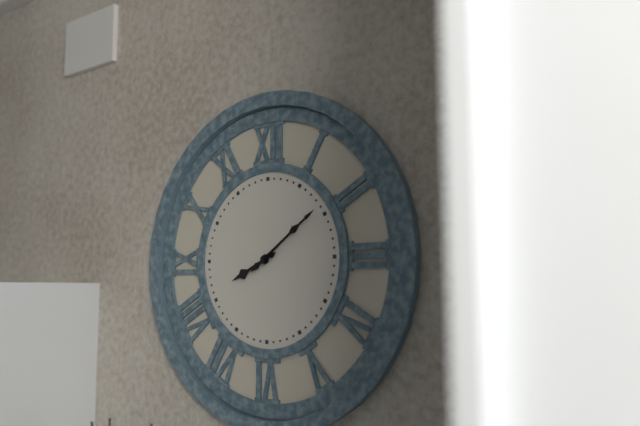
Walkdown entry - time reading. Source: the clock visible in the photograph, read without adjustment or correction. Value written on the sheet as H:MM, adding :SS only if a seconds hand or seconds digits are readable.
8:09
